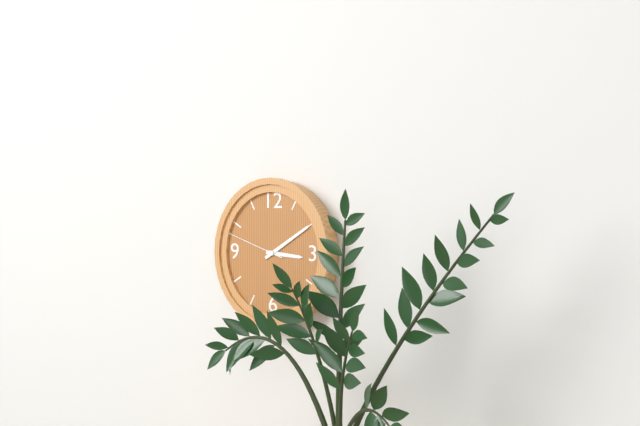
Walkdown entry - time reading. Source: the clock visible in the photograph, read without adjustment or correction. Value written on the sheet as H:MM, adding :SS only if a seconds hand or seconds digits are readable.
3:10:48
